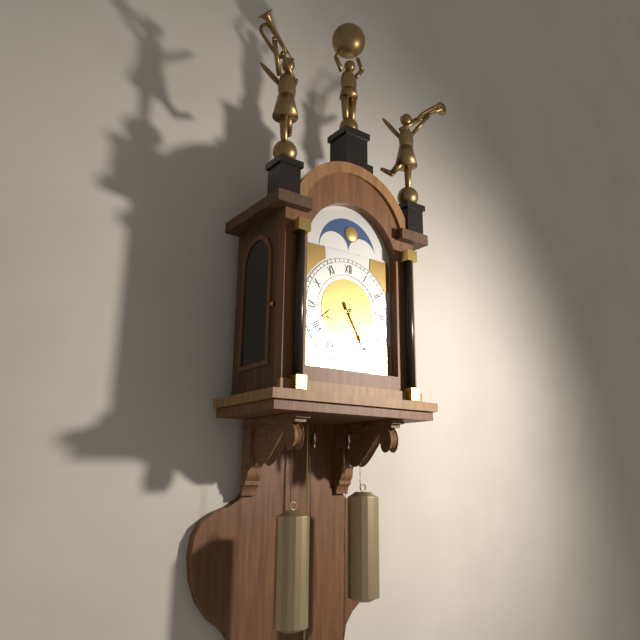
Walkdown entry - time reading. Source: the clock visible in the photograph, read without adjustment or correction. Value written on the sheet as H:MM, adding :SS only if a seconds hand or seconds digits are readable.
8:25
